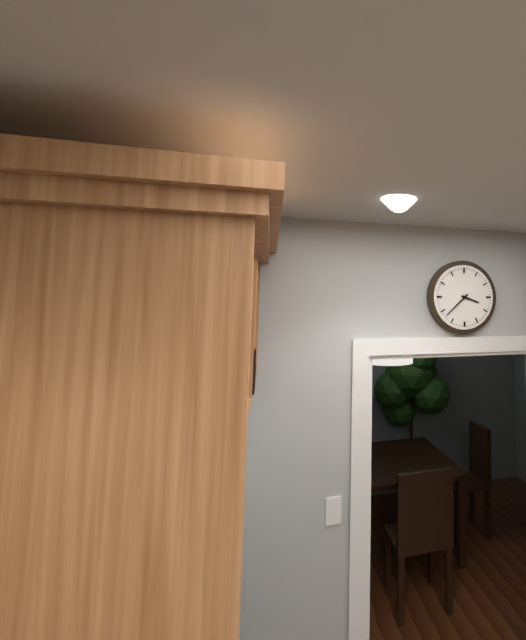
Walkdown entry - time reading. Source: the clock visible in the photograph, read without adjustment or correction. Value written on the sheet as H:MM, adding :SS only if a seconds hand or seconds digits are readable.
3:38
